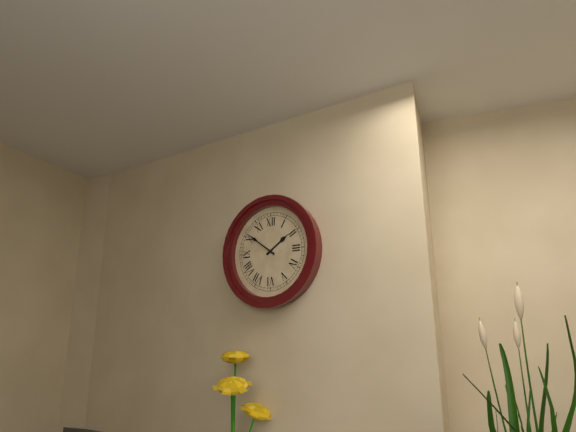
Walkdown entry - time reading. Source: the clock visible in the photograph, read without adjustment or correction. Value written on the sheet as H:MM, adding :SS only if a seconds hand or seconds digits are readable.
1:51
